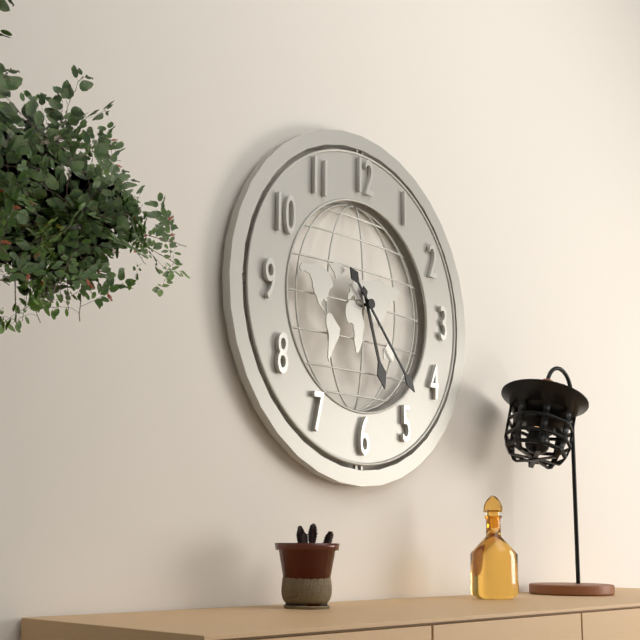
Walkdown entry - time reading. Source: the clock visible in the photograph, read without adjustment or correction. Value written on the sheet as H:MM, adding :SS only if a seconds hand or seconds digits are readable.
5:23
